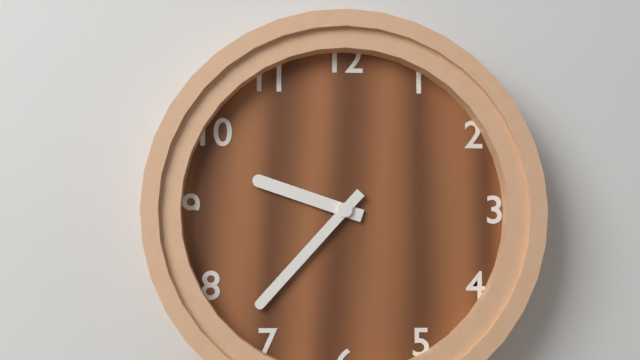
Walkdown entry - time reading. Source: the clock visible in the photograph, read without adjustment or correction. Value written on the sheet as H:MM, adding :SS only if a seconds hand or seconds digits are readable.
9:37
